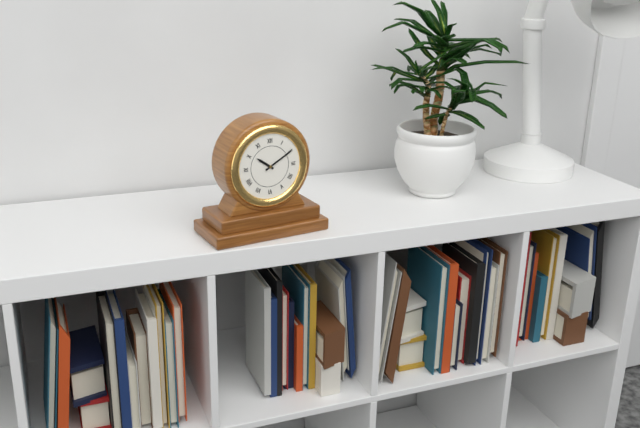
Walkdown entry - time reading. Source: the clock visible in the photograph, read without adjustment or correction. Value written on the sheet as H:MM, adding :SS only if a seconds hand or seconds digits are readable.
10:10
